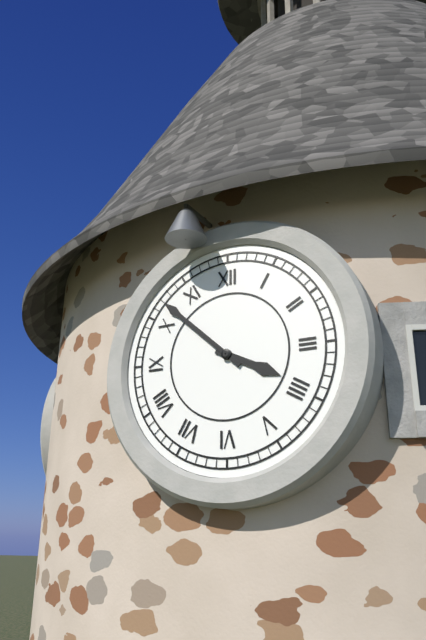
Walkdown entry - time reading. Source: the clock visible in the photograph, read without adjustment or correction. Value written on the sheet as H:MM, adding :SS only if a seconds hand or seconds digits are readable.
3:52
